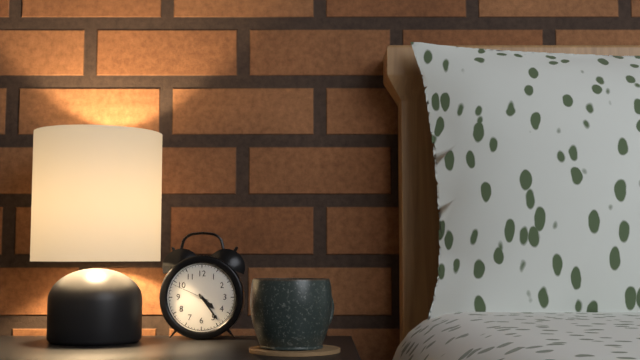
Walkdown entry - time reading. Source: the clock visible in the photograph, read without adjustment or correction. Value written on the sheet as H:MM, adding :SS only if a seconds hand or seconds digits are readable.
4:24
